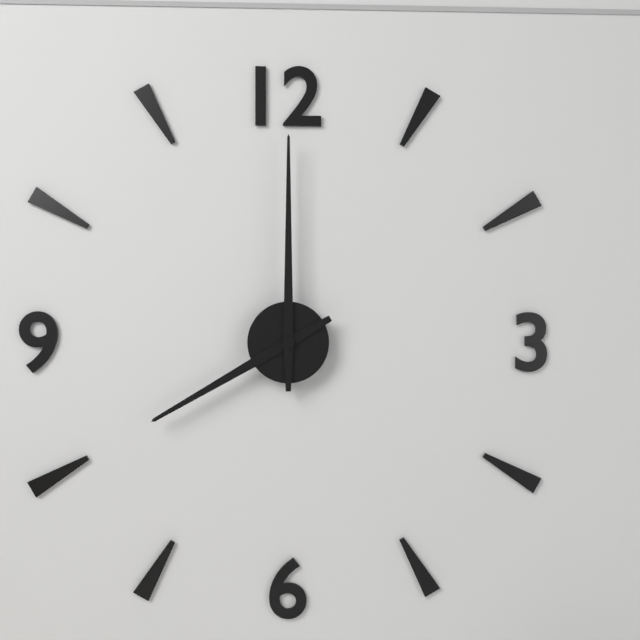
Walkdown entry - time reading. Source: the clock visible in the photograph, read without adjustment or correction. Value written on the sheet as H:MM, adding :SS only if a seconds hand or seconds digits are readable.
8:00
